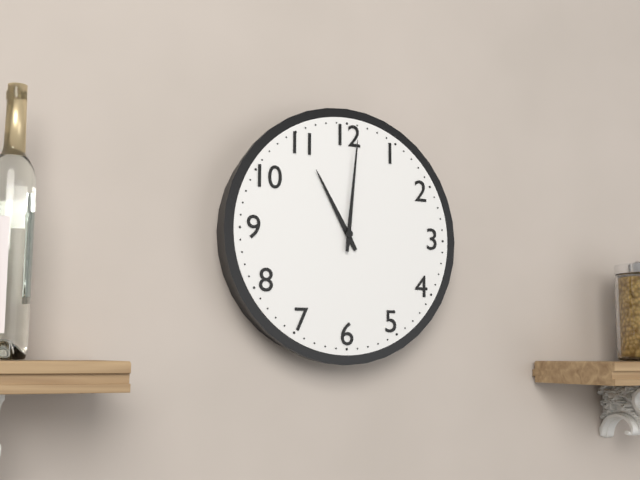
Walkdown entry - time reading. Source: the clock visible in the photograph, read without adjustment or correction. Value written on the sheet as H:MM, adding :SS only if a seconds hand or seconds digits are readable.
11:01
